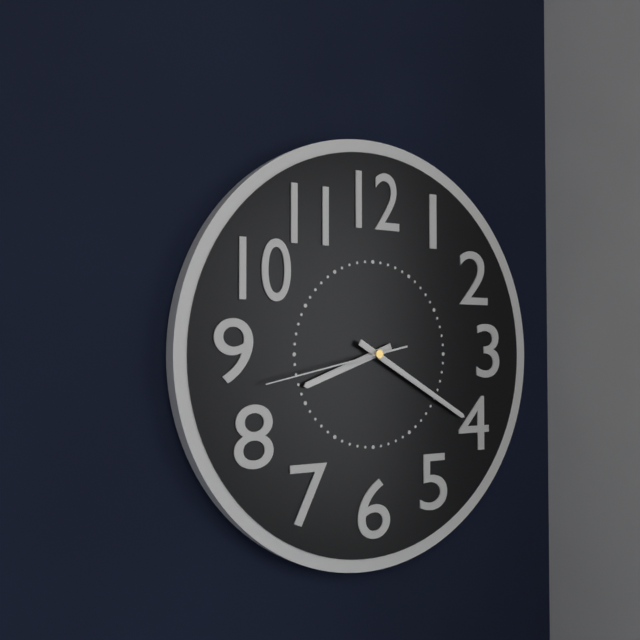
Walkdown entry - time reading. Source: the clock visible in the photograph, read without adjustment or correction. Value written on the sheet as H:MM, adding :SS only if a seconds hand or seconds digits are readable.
8:20:43
